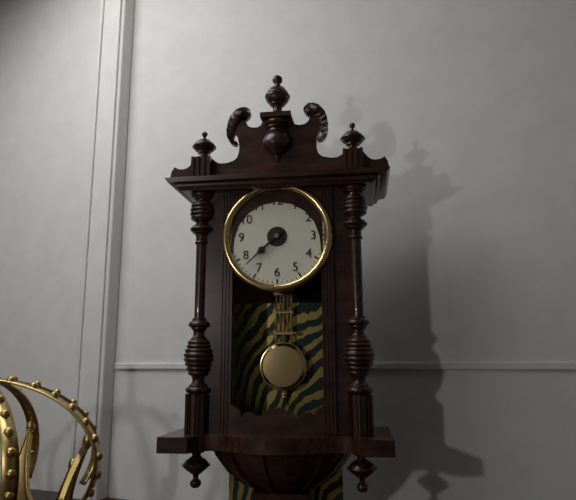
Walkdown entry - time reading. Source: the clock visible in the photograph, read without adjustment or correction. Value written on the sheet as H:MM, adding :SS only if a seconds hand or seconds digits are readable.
7:38
